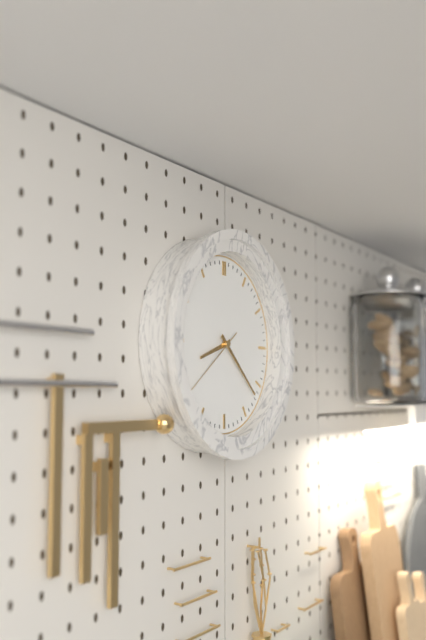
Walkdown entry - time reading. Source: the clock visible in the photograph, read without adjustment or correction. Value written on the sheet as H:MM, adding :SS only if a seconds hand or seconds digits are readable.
8:22:39
